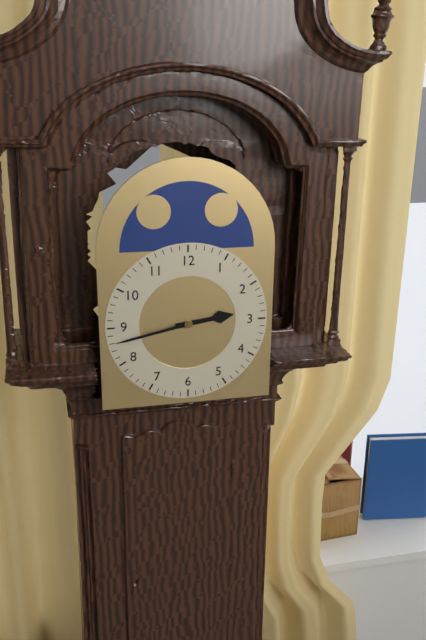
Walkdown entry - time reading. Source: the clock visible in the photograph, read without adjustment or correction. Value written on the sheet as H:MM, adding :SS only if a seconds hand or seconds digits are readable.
2:43
